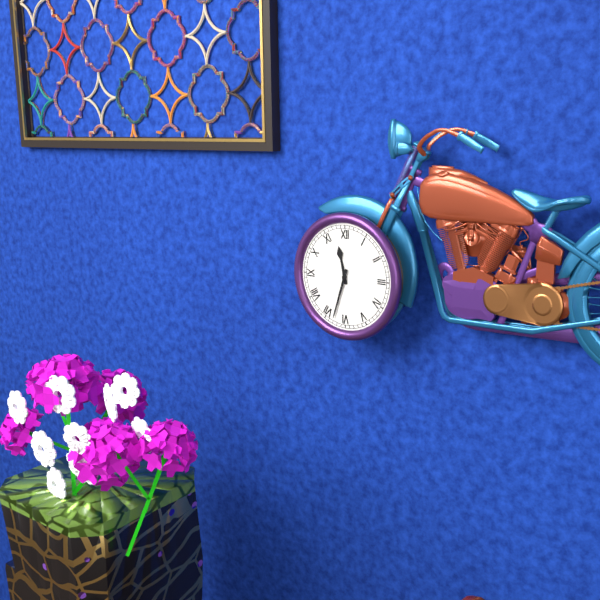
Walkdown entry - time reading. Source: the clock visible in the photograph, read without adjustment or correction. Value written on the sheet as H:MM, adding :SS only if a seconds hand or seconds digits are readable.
11:33
